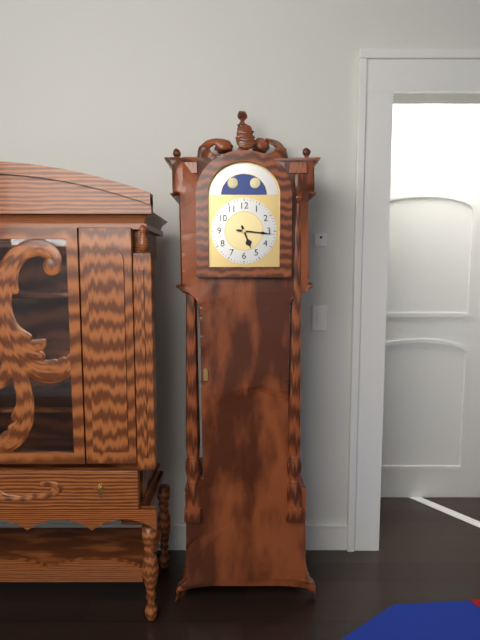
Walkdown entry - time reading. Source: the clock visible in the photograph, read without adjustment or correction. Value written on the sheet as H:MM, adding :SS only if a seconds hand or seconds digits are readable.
5:16
